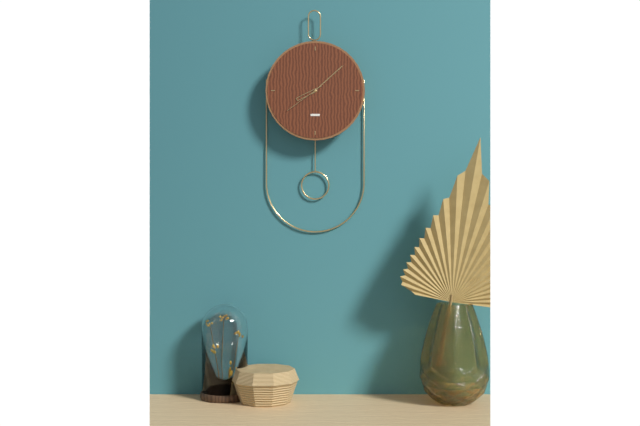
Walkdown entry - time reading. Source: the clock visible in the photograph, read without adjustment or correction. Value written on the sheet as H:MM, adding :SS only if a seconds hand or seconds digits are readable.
8:08
